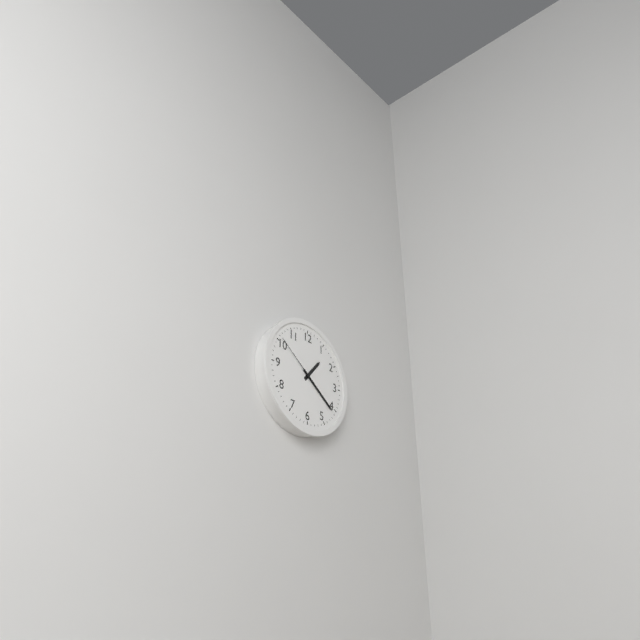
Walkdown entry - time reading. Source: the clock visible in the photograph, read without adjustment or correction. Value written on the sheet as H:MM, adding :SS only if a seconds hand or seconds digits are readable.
1:21:51
